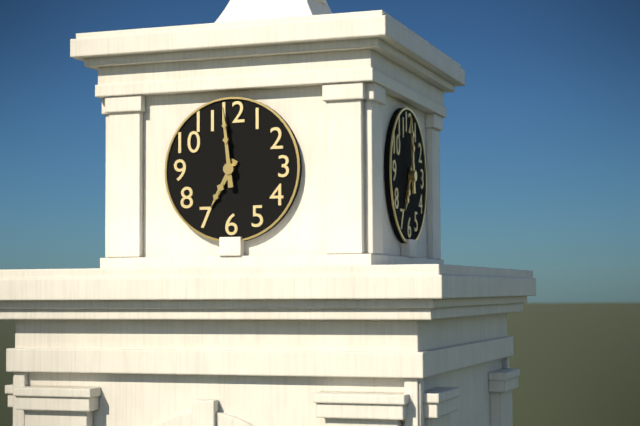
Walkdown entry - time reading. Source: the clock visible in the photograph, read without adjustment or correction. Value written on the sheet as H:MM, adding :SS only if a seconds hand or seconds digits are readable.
6:59
